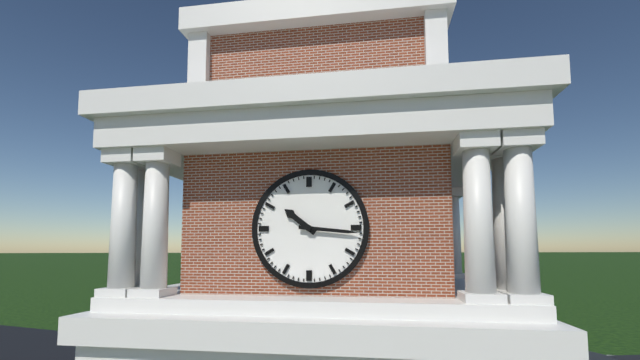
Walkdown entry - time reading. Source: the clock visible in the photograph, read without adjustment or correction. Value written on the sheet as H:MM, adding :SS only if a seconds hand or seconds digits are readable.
10:16
